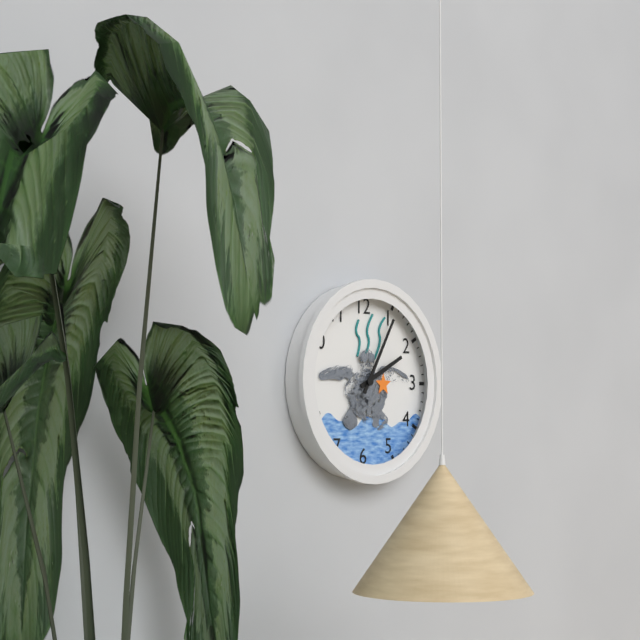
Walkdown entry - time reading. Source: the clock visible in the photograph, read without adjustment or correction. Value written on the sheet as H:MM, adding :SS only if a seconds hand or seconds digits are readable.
2:05
